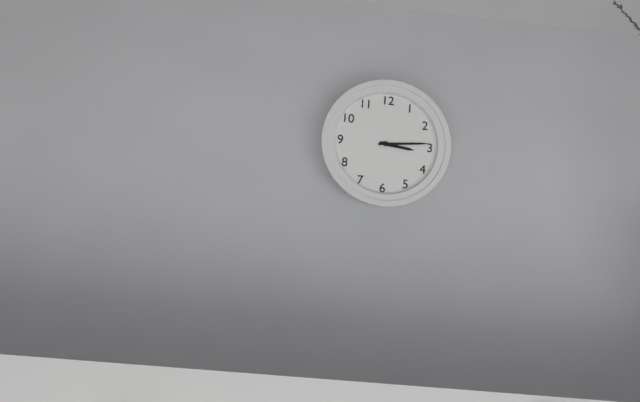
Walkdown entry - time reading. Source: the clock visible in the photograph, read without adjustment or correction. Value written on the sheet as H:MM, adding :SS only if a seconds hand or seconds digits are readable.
3:14
